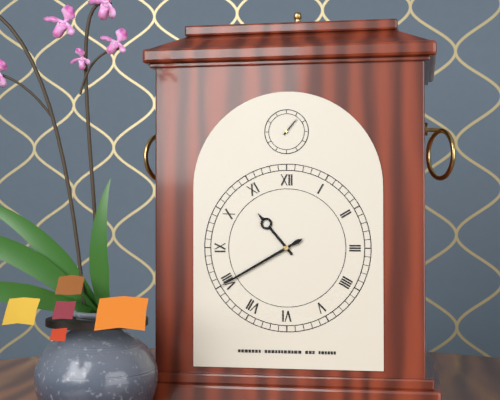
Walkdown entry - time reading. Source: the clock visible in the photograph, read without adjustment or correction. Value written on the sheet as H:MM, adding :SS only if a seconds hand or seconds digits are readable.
10:40
